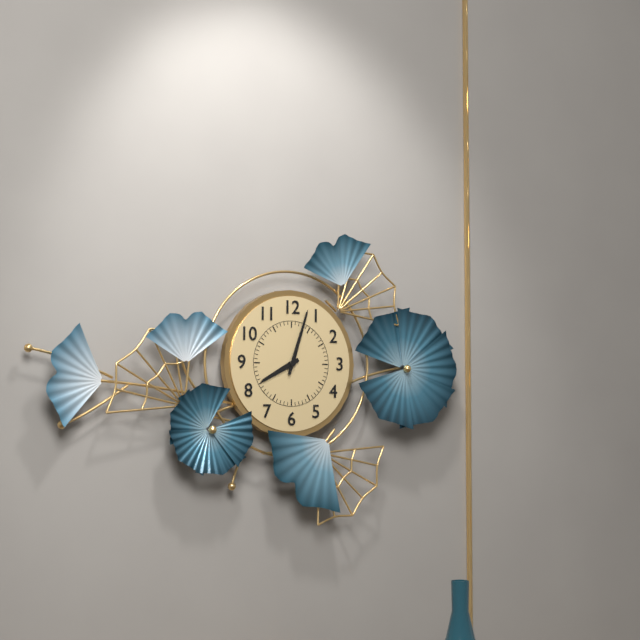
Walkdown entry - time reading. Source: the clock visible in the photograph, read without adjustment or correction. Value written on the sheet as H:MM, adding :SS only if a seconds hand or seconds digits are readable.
8:03
